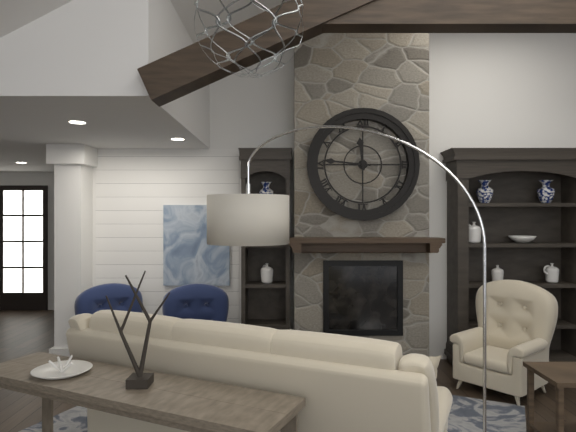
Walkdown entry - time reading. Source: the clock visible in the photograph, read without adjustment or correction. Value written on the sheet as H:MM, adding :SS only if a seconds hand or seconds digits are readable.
11:46
